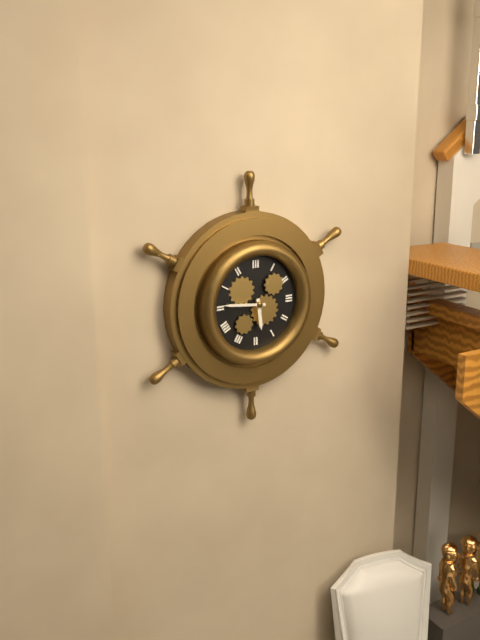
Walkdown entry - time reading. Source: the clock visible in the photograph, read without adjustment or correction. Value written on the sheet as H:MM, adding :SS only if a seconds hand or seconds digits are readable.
5:46
